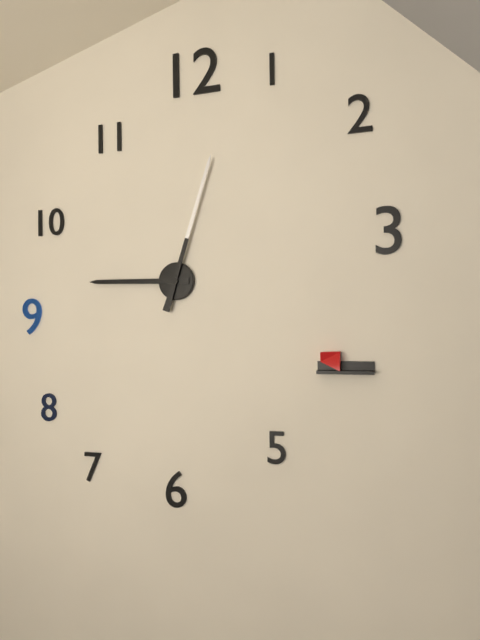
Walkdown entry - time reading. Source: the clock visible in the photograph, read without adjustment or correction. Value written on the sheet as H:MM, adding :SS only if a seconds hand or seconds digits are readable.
9:03
